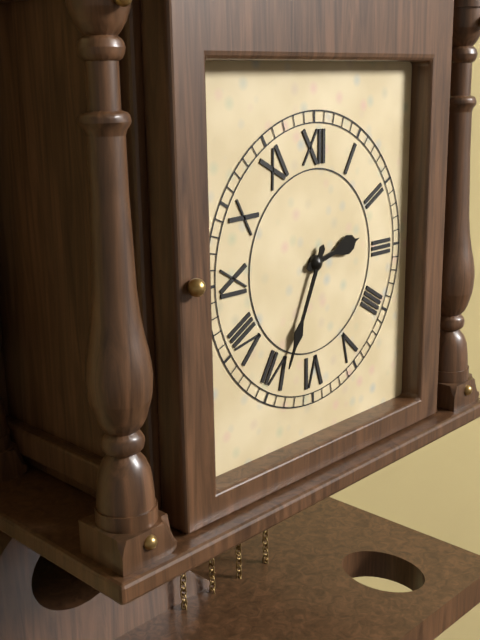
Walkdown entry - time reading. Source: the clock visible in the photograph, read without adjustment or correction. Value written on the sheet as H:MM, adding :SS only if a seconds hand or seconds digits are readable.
2:34
